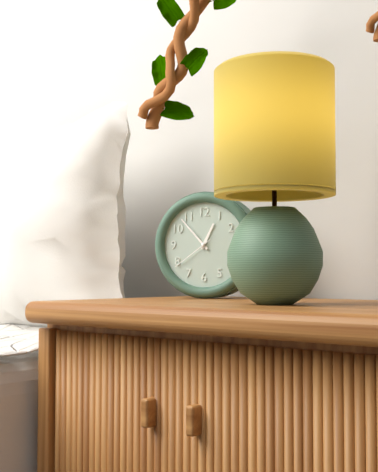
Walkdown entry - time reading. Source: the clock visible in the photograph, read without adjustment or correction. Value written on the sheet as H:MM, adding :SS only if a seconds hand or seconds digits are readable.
12:53
